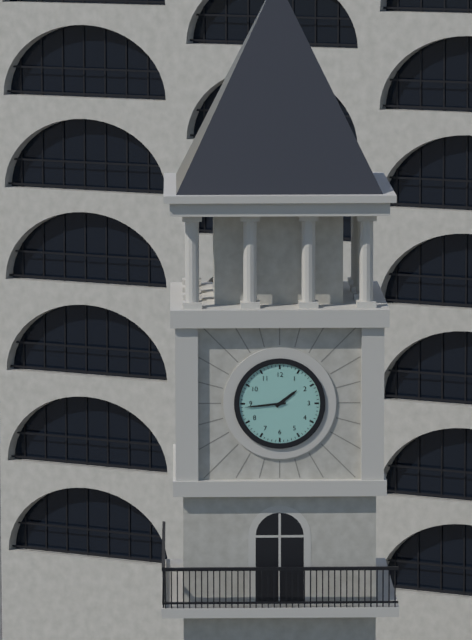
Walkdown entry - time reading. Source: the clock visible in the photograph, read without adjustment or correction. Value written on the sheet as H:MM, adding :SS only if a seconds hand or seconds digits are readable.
1:44
